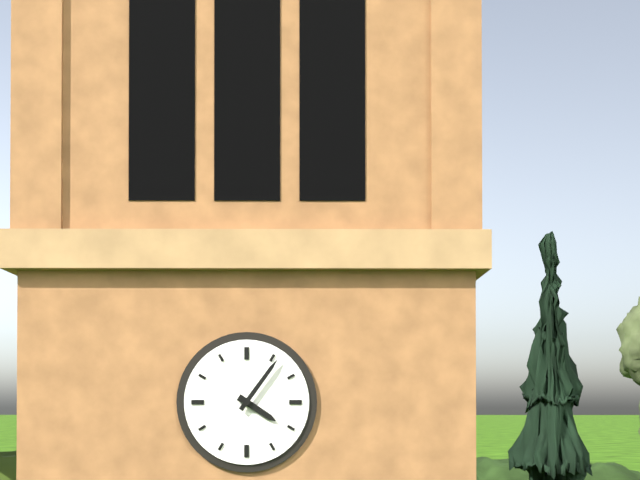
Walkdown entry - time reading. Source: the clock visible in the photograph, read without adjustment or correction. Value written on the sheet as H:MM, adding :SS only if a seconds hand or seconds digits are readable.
4:06
